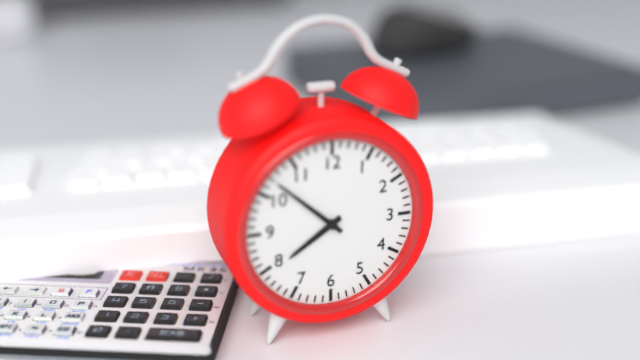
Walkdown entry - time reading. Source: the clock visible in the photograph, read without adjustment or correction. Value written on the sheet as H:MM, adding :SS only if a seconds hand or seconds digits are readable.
7:52
